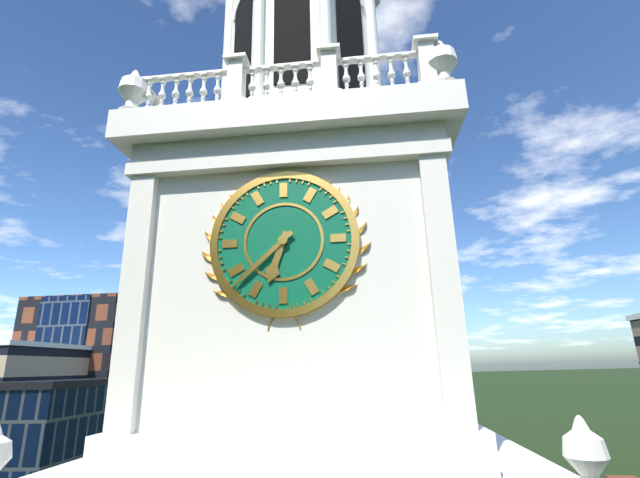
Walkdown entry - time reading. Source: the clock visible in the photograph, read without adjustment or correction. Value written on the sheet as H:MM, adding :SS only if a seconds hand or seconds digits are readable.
6:38
